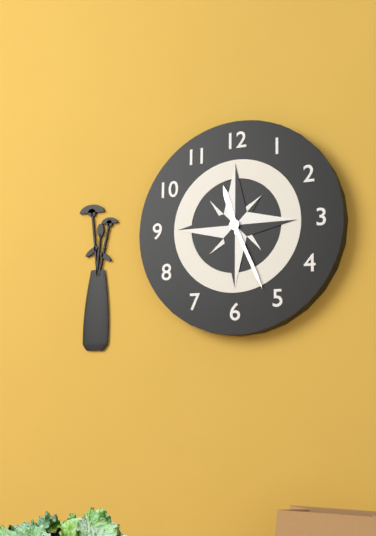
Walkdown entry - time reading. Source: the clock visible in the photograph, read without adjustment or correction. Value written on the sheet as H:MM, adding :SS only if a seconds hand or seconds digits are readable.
11:26
